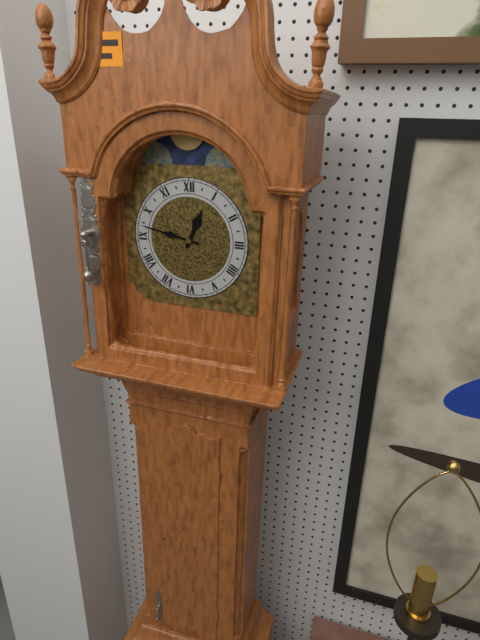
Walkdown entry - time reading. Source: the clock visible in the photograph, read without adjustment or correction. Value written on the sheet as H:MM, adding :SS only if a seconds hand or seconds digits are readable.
12:47
